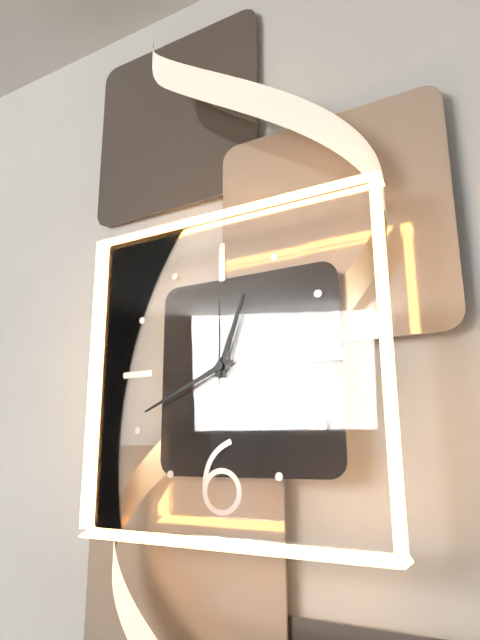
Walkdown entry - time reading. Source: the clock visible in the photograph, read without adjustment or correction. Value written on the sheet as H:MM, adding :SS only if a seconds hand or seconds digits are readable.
12:41:00
